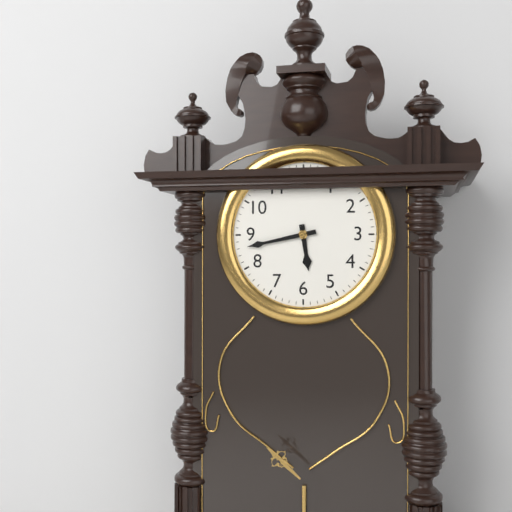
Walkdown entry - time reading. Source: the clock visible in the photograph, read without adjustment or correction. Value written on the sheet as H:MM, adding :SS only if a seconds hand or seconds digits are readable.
5:43
